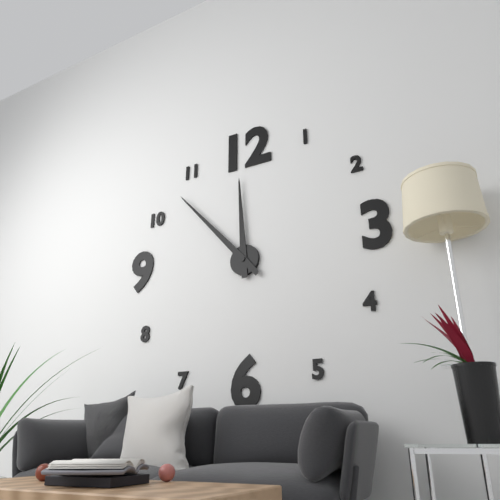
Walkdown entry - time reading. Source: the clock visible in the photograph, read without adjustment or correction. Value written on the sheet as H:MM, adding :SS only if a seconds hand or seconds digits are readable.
11:53
